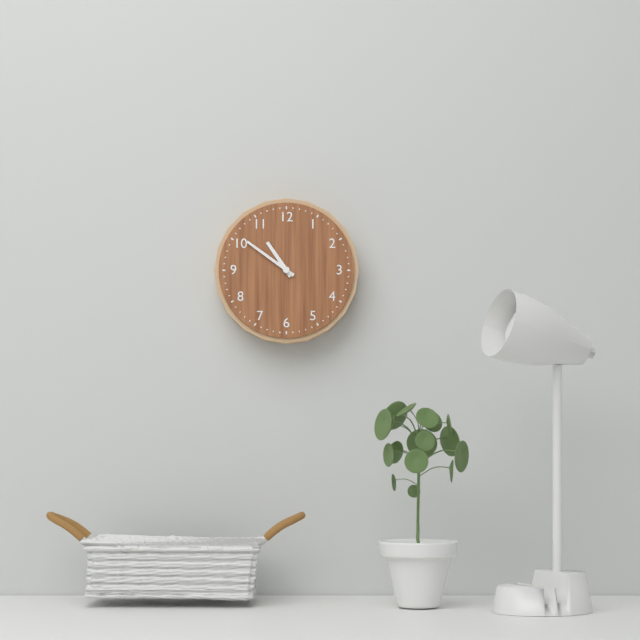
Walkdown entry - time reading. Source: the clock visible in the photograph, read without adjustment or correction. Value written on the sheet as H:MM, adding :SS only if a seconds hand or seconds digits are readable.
10:51
